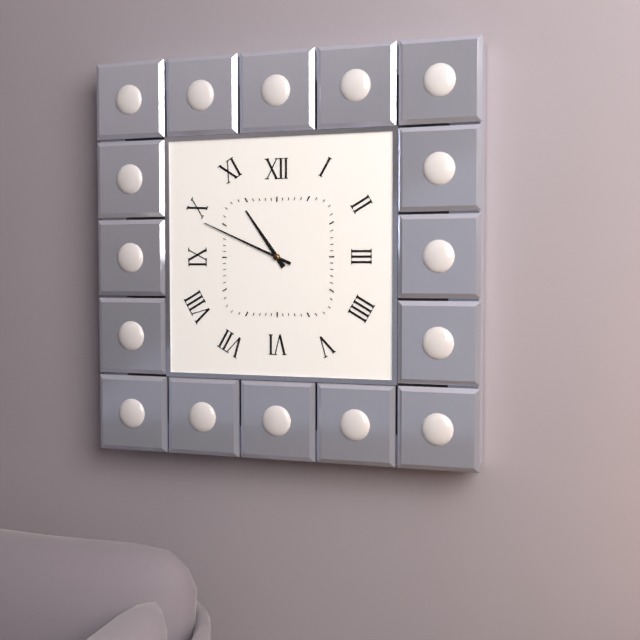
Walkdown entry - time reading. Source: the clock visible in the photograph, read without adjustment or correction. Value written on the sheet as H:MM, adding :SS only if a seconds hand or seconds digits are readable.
10:49
